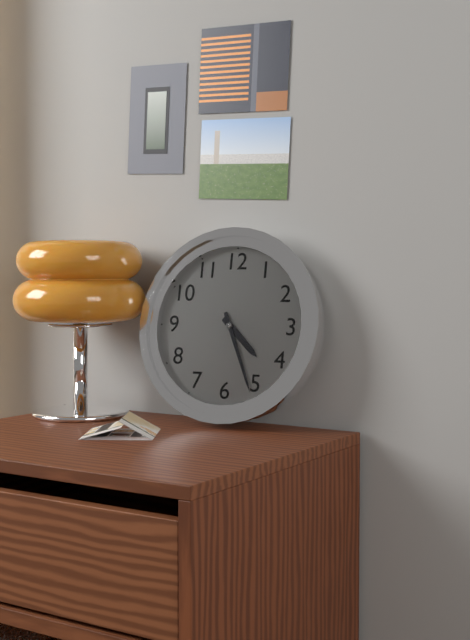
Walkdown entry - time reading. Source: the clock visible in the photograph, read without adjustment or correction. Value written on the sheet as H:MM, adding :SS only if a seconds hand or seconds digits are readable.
4:26
